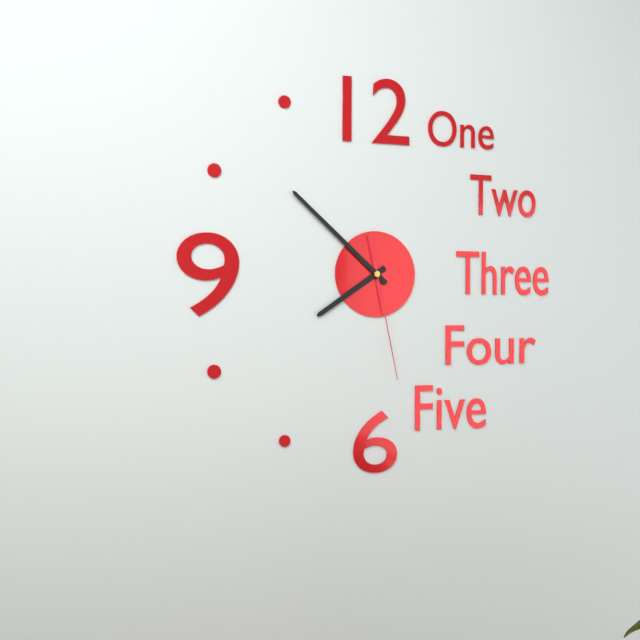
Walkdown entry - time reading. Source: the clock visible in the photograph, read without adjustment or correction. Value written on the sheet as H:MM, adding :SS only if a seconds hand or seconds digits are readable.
7:52:28
